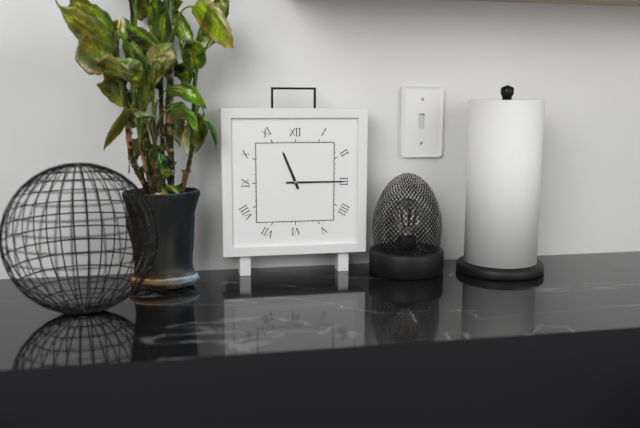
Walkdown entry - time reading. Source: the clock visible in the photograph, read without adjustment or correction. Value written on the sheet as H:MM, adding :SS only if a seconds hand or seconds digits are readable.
11:15
